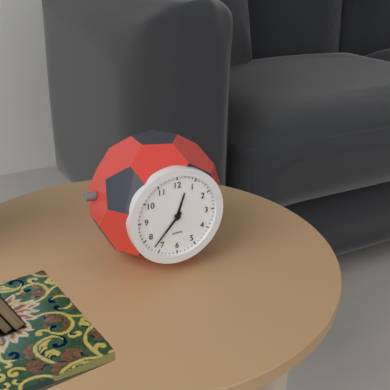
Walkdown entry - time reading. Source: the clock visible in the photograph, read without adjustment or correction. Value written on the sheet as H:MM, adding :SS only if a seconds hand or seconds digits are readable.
12:37
